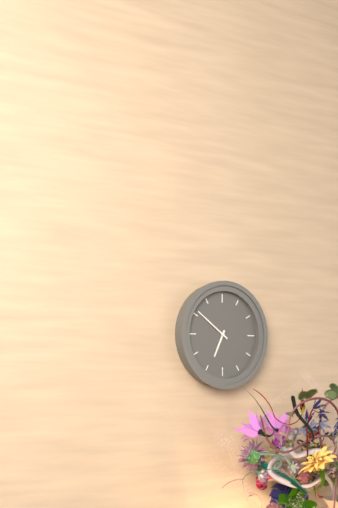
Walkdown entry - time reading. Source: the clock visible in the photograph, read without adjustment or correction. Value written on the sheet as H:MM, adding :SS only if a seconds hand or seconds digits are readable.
6:51
